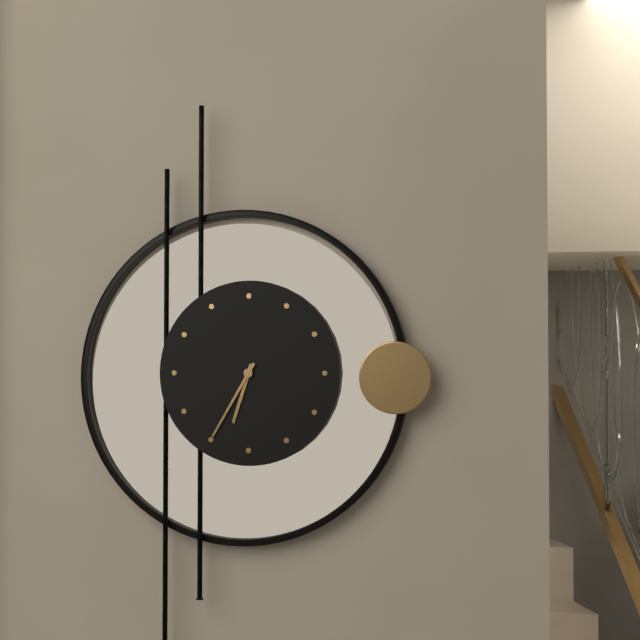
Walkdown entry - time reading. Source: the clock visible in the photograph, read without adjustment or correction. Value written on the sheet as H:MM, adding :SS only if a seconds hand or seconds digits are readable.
6:35
